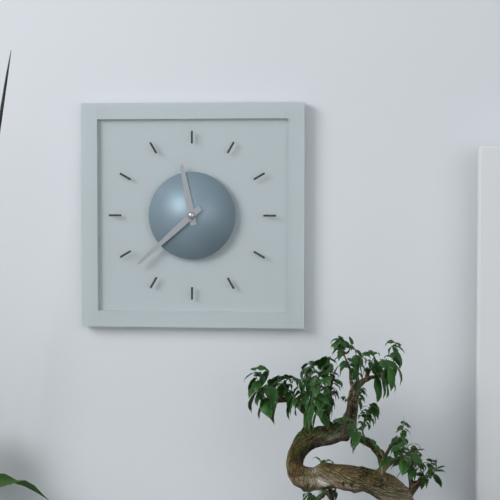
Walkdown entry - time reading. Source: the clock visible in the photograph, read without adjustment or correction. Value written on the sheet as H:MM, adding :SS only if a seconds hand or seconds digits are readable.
11:38
